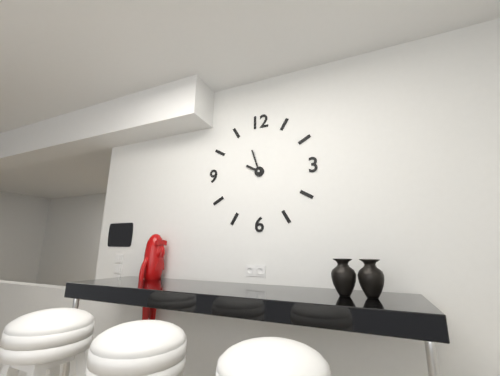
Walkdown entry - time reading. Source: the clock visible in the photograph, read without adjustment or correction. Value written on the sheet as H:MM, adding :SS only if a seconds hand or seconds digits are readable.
9:57
